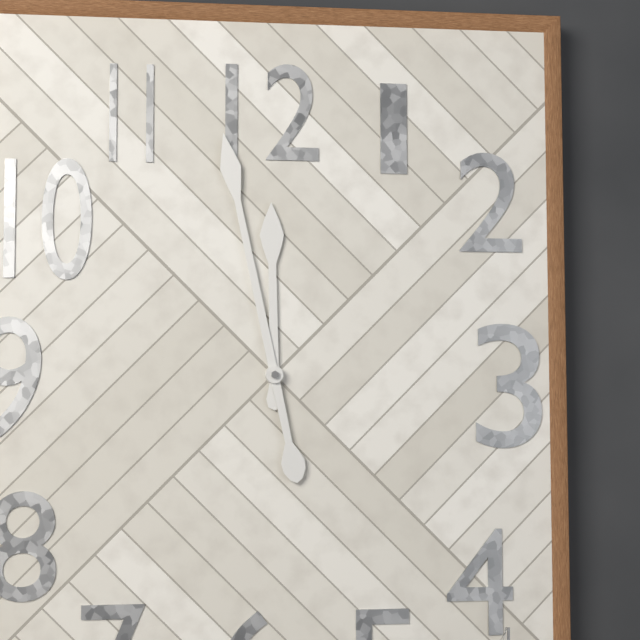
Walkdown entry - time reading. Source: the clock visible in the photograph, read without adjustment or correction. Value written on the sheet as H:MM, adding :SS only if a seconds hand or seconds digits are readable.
11:58
